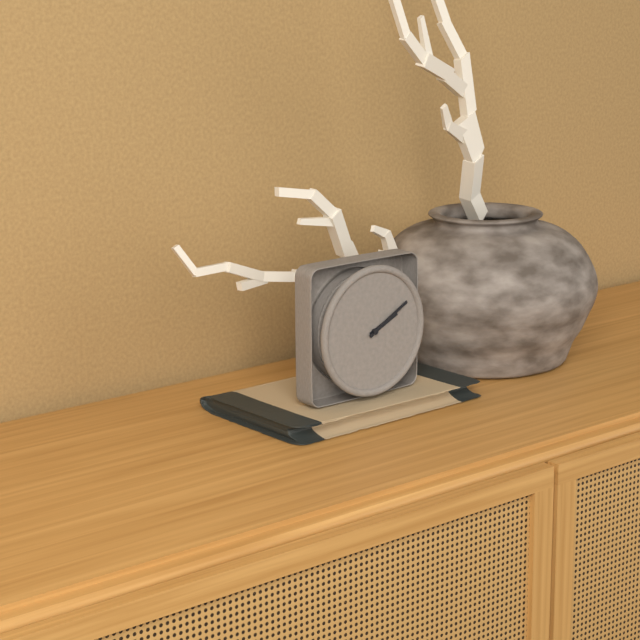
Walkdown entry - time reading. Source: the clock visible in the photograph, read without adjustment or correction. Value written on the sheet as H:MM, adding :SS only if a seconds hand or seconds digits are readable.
2:10
